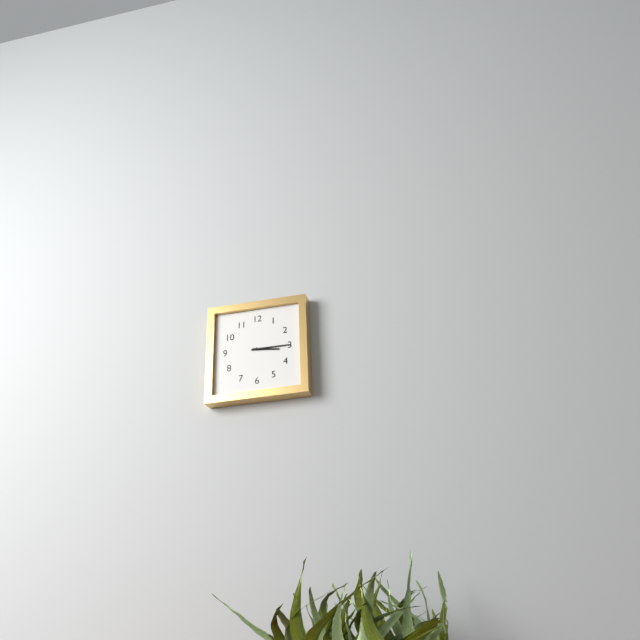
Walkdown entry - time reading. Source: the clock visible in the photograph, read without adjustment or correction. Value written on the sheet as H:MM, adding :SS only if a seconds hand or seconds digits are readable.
3:15
